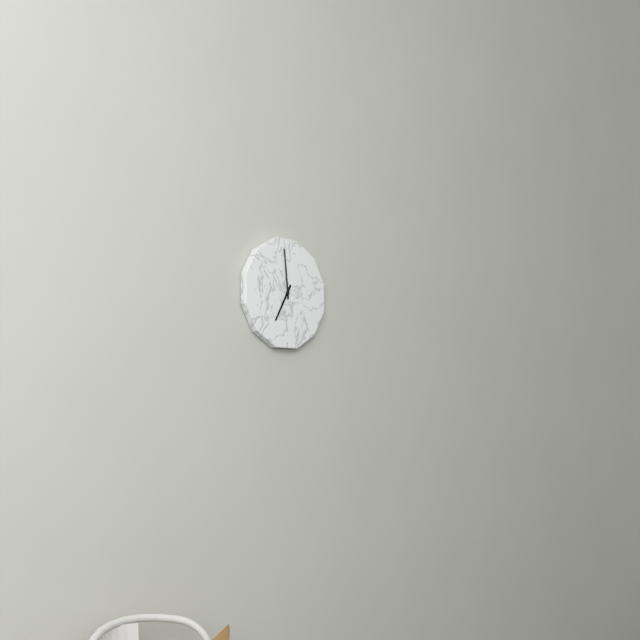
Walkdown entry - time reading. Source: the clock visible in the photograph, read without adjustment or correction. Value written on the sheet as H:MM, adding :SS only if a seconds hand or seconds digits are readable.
6:59
